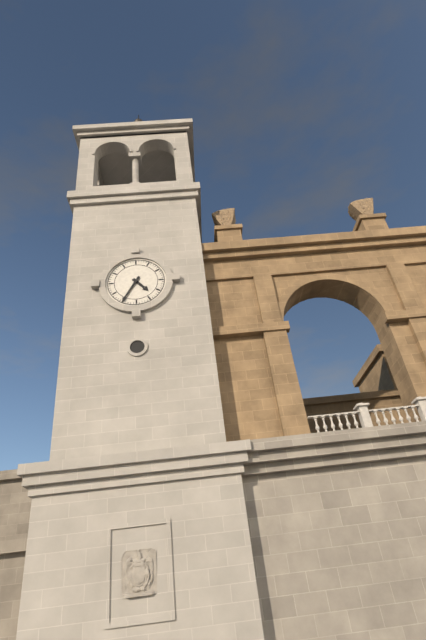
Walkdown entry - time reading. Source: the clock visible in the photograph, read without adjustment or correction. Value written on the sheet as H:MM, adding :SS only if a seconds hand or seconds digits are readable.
4:35
